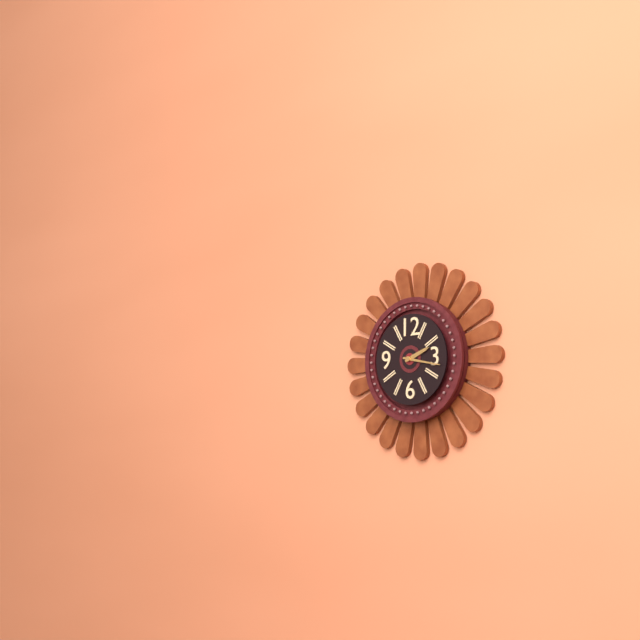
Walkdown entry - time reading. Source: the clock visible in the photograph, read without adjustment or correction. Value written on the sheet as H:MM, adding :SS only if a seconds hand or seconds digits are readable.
2:17
